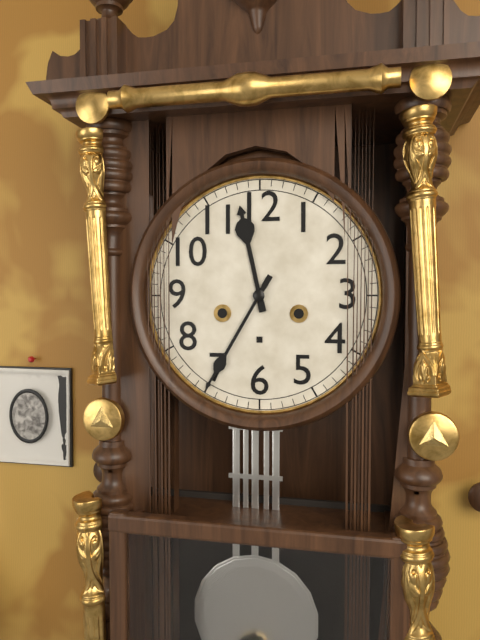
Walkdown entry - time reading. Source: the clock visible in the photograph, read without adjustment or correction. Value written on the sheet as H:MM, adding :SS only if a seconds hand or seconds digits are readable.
11:35
